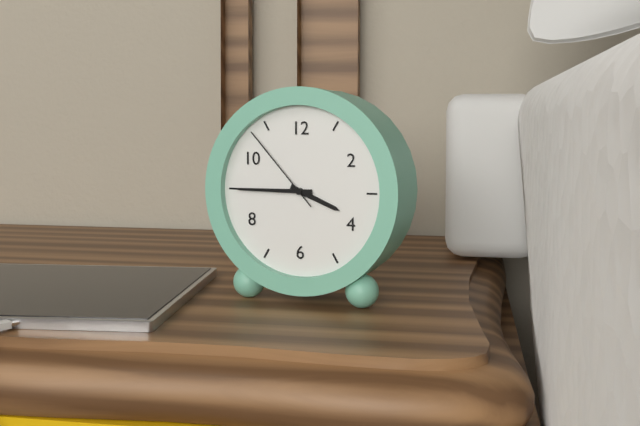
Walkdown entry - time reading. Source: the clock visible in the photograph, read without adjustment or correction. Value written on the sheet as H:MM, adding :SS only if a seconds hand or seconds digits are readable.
3:45:53
